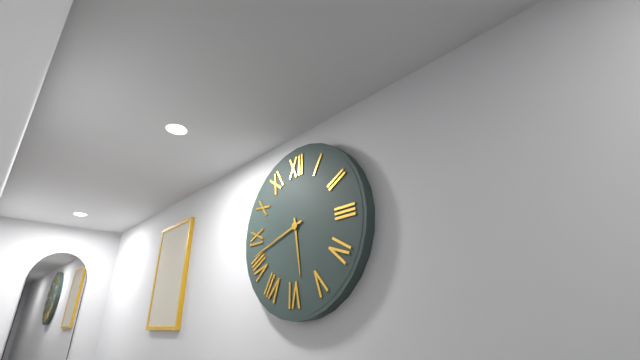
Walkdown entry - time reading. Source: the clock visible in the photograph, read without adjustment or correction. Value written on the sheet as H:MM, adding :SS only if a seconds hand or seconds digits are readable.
5:42
